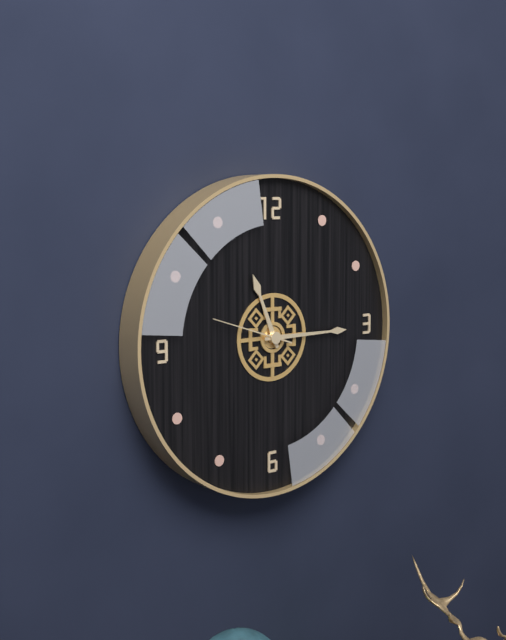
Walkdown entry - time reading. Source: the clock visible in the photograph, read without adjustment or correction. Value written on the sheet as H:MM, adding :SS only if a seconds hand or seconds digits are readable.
11:15:48
